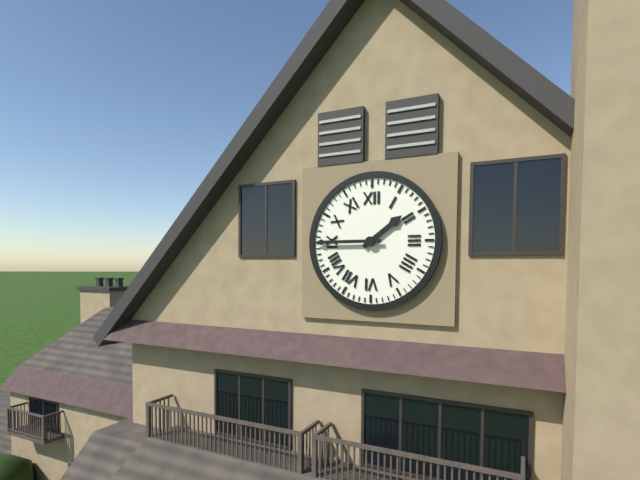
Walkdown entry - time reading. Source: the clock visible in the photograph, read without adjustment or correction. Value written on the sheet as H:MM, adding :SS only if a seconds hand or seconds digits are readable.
1:45
